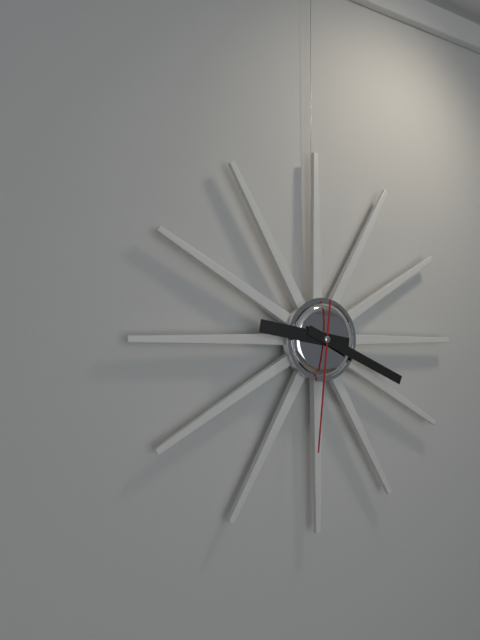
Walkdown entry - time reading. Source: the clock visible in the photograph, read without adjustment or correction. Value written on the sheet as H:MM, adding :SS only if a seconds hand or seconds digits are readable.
9:19:31
